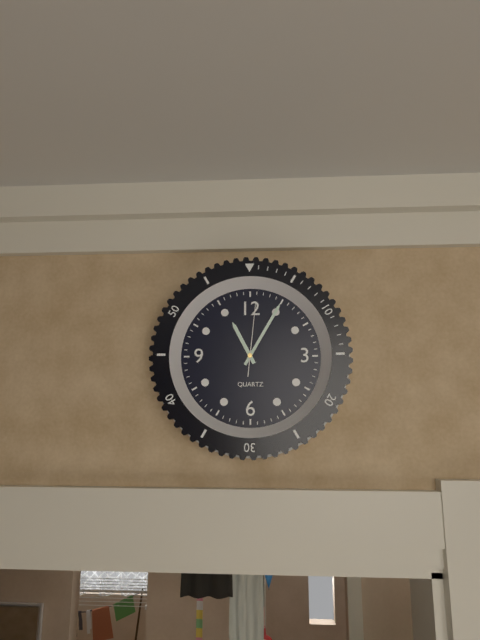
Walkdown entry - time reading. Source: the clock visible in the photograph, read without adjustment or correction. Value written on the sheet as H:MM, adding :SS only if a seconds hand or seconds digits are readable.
11:05:01
